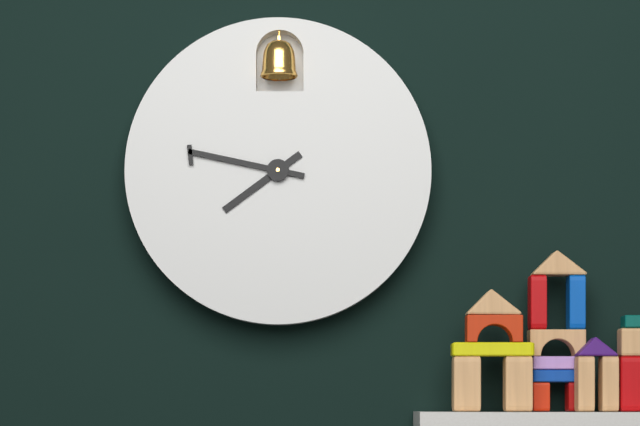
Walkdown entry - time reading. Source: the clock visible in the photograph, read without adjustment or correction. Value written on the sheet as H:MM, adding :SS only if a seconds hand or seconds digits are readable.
7:47
